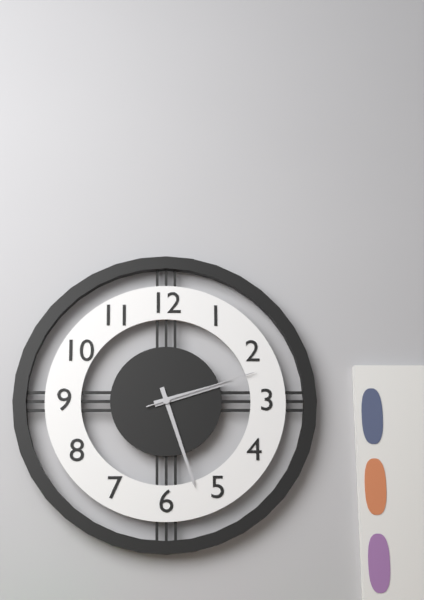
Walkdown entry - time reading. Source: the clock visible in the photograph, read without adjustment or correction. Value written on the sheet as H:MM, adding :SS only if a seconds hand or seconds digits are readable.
2:27:12
